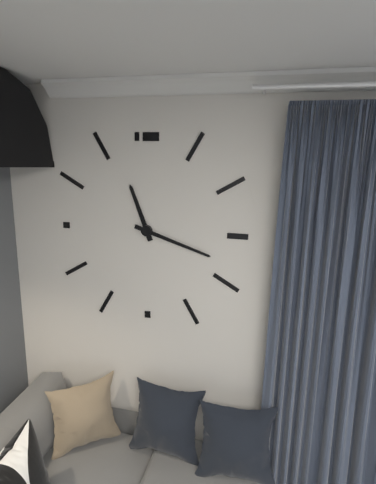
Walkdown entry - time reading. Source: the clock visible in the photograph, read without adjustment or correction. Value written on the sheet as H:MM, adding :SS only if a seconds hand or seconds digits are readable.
11:18
